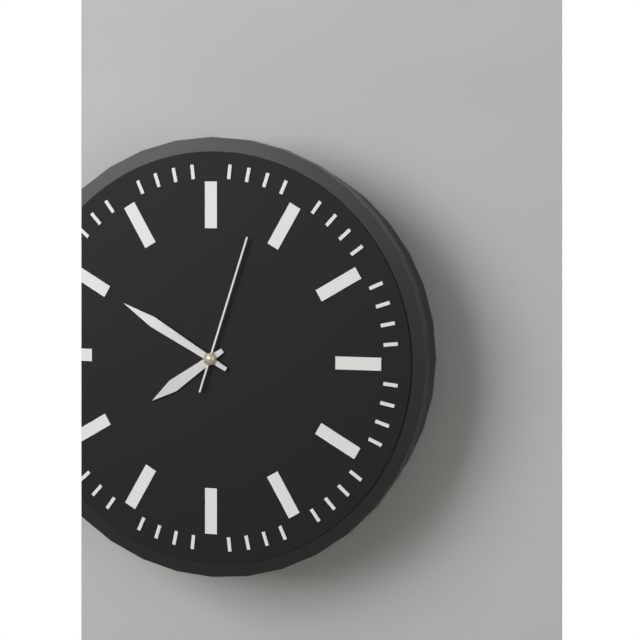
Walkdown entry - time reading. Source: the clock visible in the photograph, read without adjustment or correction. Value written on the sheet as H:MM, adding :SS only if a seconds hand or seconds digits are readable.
7:50:03
